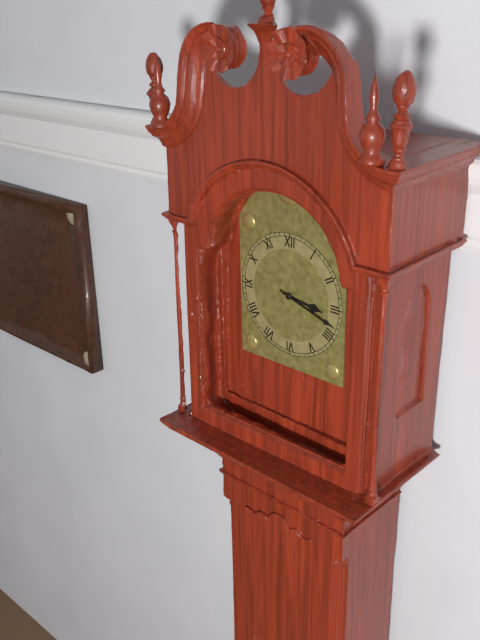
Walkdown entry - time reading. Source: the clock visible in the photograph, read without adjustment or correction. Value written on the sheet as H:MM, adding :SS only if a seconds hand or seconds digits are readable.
3:18
